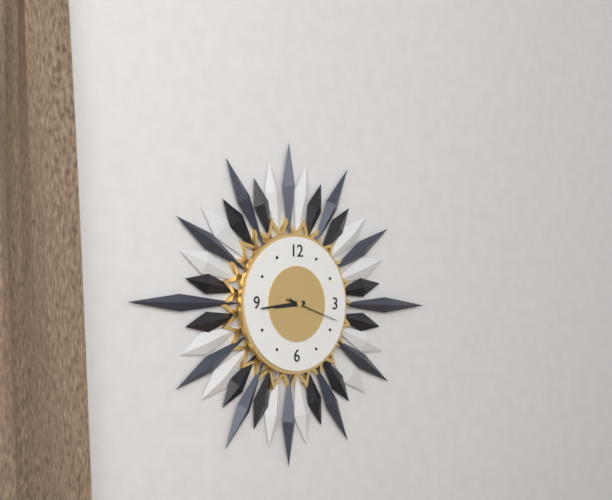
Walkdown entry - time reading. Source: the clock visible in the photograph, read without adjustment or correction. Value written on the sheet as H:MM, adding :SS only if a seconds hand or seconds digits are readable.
8:44:18
